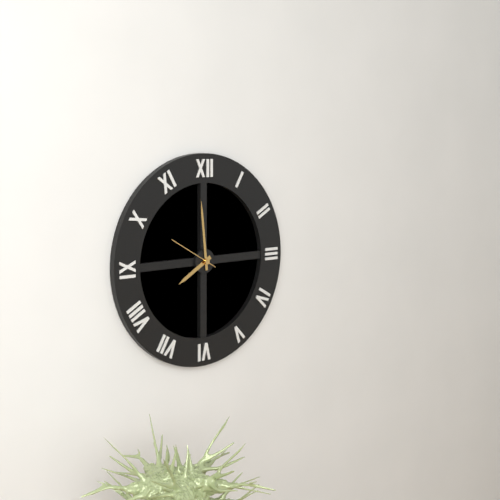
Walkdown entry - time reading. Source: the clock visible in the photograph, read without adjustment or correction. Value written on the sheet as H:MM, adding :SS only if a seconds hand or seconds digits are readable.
7:59
